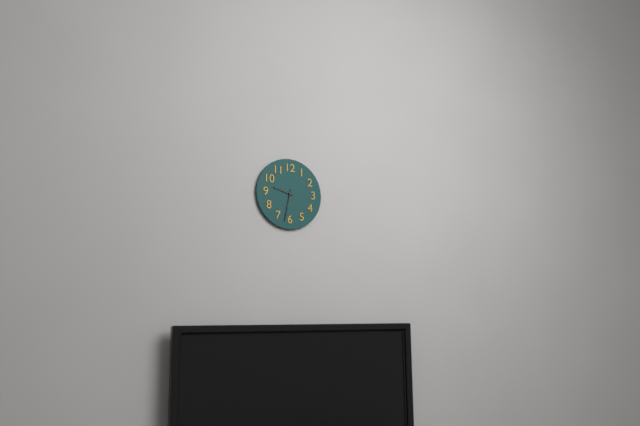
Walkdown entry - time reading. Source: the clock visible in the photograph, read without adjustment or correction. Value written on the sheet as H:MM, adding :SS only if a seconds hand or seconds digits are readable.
9:32
